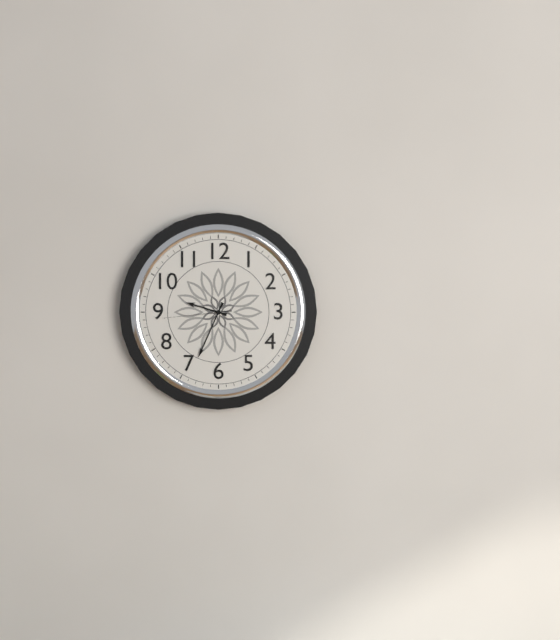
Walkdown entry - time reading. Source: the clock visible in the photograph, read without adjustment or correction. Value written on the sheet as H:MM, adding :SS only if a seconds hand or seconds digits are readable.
9:34:44
